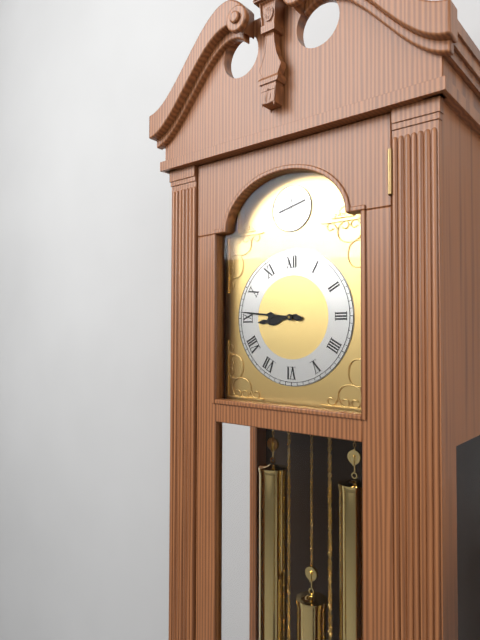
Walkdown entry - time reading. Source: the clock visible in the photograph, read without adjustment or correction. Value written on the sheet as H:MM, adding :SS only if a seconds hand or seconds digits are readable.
8:46
